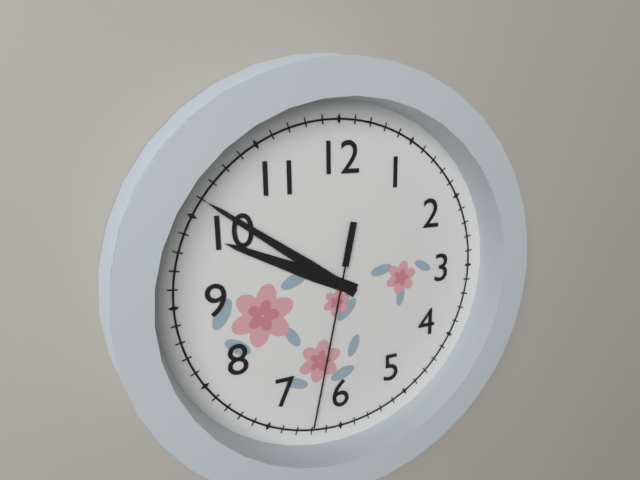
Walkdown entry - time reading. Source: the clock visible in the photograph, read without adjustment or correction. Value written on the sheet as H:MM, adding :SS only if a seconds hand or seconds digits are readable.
9:51:32
